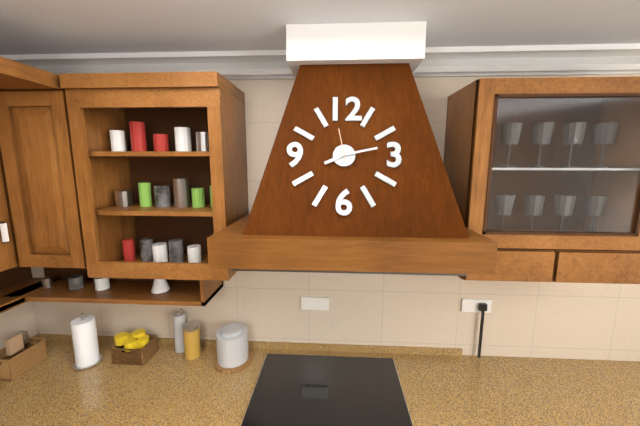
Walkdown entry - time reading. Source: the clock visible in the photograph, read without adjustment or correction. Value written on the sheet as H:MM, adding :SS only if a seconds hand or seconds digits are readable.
8:13
